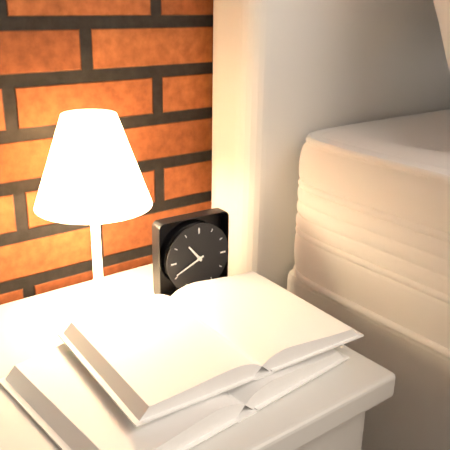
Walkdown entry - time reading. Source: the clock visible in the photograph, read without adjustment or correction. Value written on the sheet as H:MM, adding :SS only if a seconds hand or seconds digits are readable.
10:41
